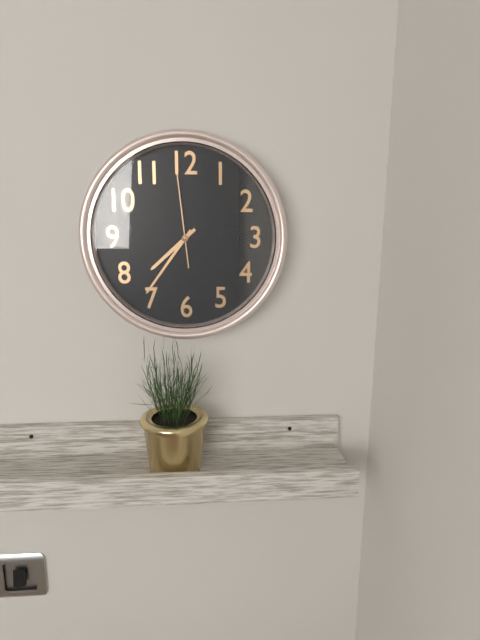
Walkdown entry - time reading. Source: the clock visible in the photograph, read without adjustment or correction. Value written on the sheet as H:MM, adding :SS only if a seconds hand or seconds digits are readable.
7:36:59
